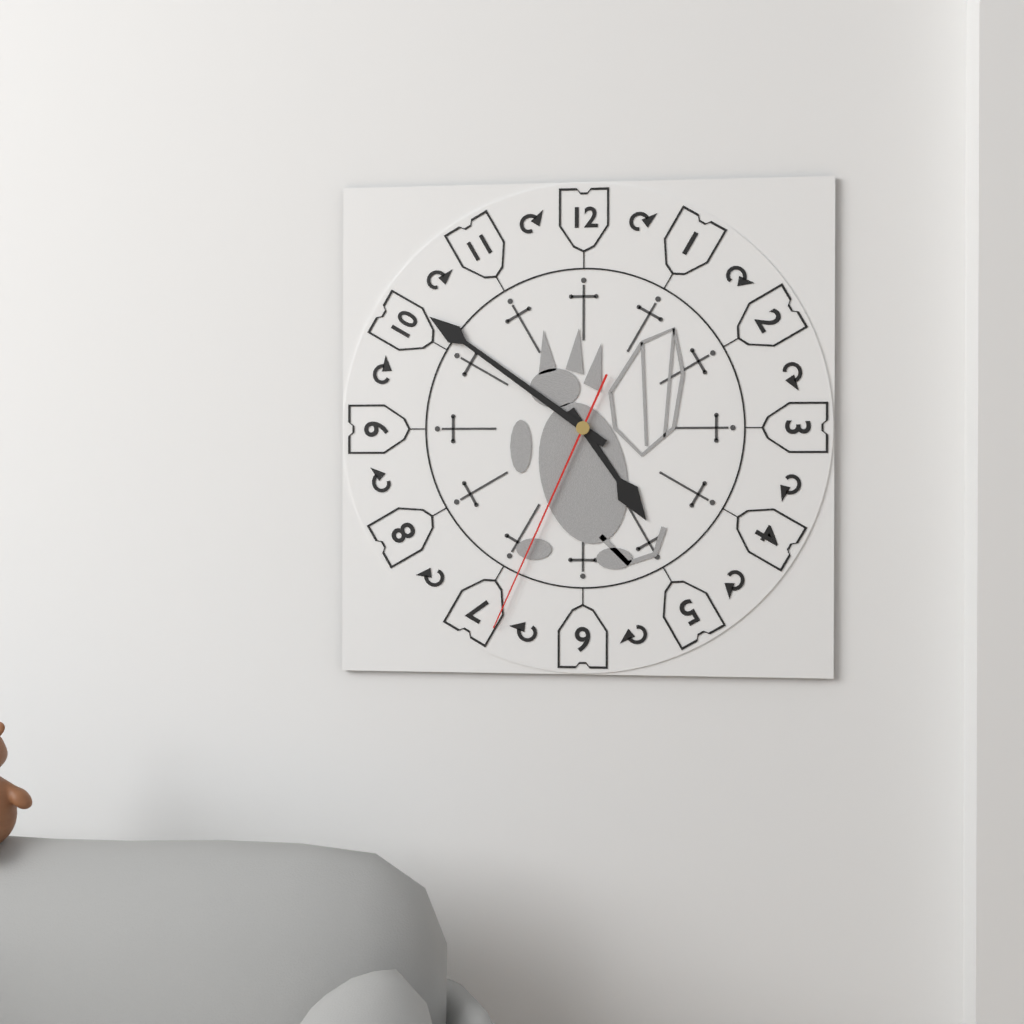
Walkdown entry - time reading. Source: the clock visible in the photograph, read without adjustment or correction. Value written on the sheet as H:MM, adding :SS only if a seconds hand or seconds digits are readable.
4:51:34
